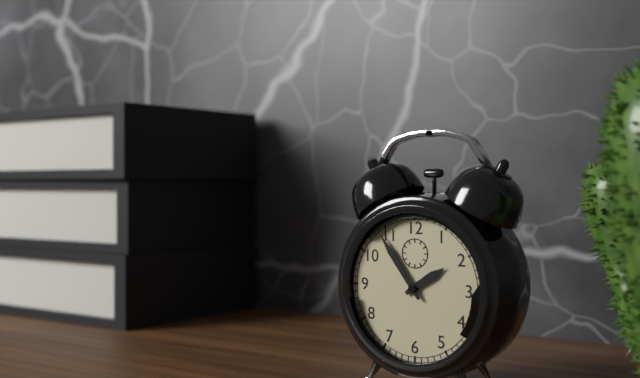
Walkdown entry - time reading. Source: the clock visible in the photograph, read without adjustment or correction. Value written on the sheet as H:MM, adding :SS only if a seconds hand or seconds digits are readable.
1:54
